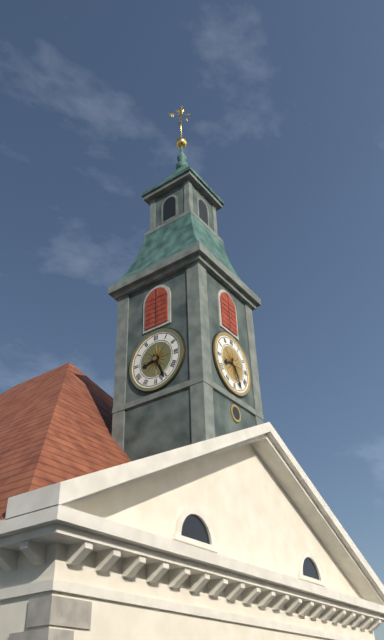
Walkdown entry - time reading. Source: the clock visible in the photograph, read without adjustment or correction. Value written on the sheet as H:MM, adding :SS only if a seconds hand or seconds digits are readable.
8:26
